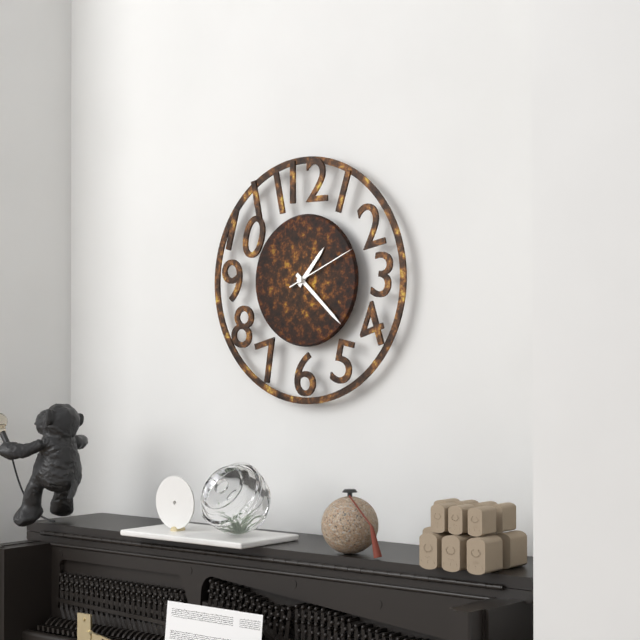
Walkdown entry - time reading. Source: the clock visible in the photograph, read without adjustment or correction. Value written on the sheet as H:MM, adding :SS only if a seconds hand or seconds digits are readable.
1:22:11
